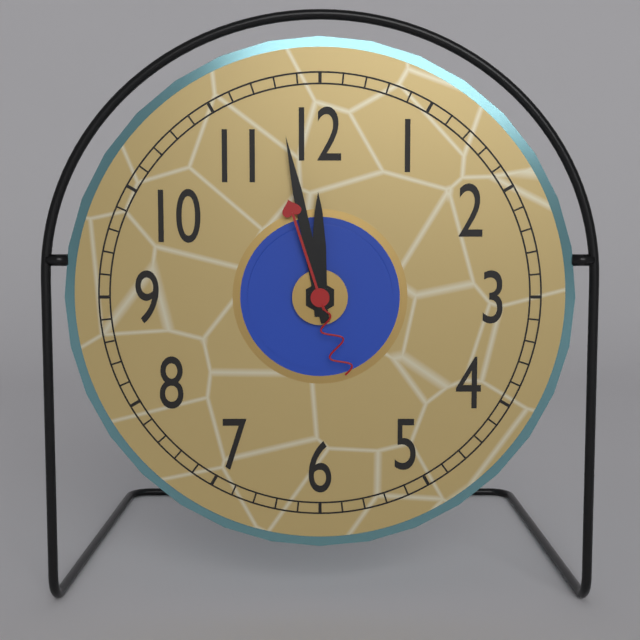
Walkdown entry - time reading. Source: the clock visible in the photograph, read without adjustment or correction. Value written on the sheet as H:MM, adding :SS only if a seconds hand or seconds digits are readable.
11:58:57
